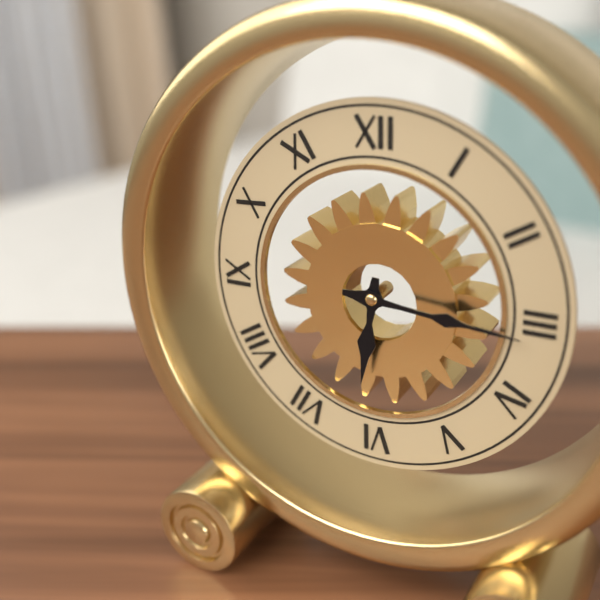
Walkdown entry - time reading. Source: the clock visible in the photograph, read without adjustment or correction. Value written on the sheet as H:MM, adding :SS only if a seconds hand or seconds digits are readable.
6:16
